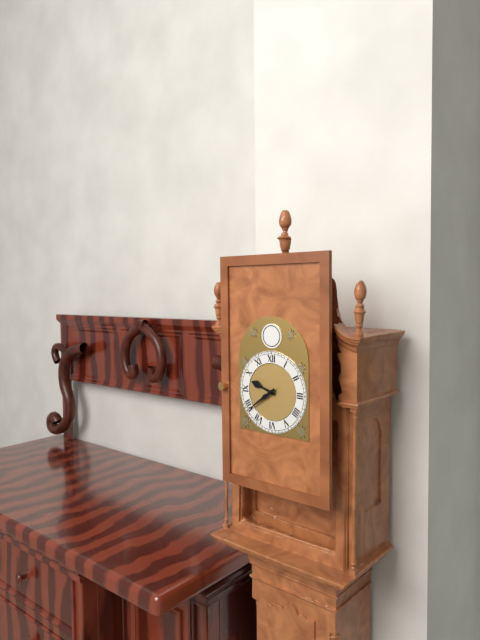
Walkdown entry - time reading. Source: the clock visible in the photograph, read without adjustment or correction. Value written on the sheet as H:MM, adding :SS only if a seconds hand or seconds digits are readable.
9:39
